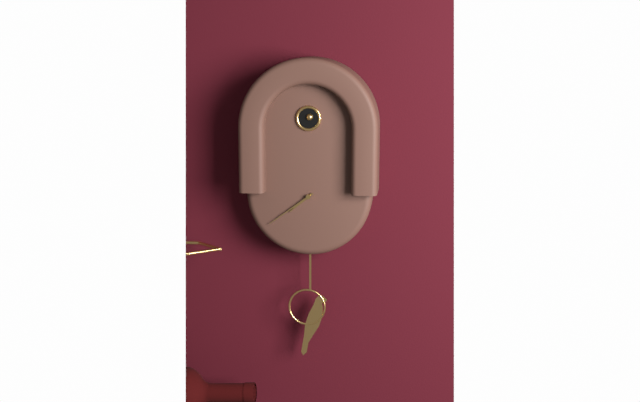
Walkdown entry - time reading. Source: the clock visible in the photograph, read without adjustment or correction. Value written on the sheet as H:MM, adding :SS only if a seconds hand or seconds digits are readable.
7:39
